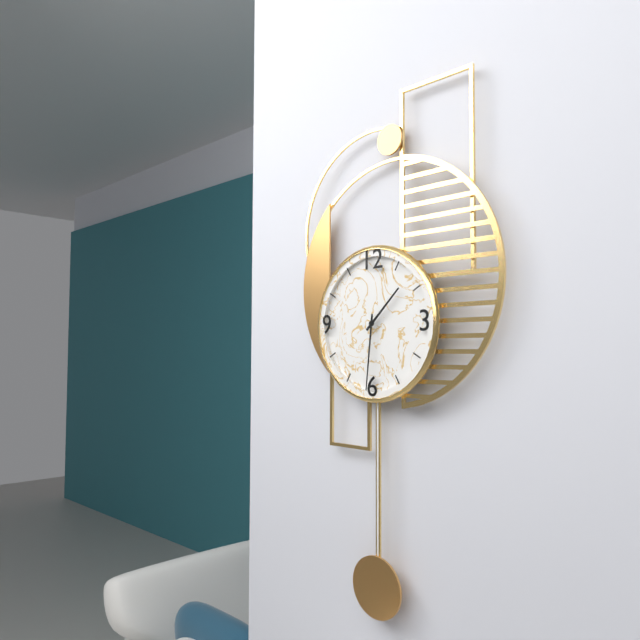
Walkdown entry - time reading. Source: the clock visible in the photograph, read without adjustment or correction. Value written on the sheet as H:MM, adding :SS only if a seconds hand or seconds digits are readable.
1:31
